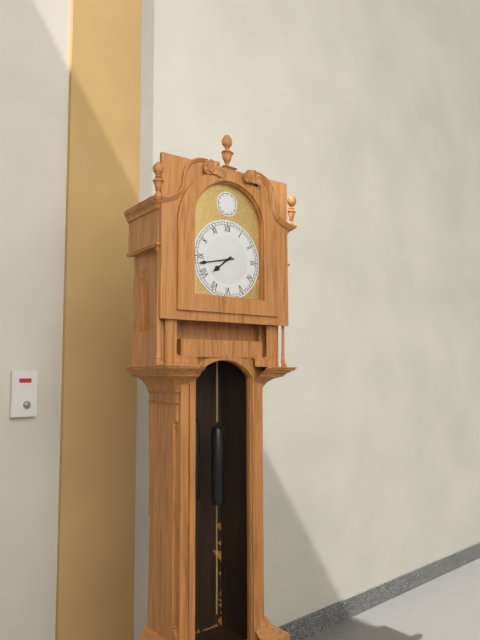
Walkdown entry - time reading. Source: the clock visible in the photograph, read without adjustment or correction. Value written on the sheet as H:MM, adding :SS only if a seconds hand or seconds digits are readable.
7:43
